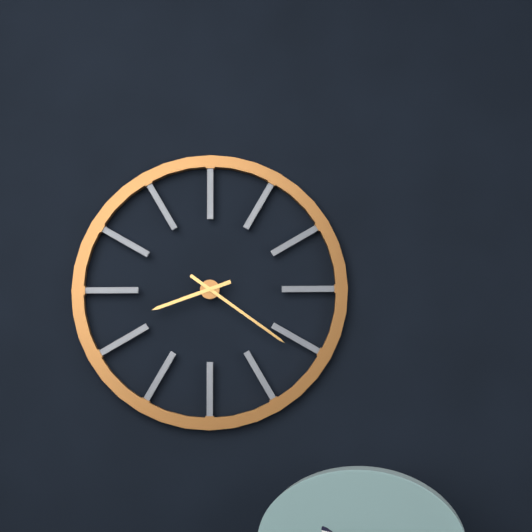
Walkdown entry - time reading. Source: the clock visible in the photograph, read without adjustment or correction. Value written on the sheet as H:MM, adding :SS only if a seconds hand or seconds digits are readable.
8:21
